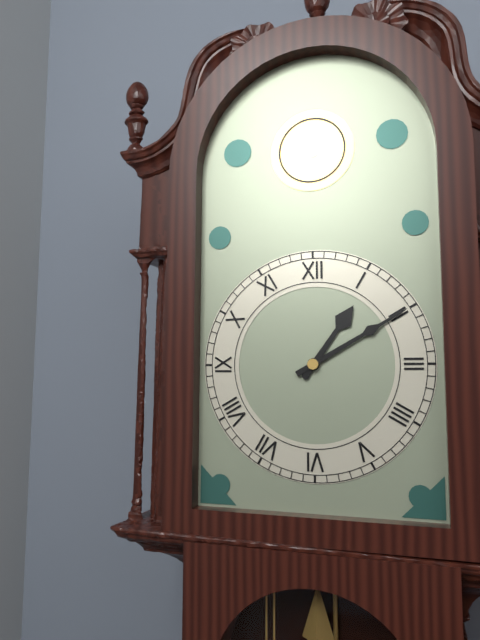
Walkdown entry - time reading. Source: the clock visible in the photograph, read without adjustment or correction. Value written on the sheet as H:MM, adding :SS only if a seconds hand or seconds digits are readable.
1:10
